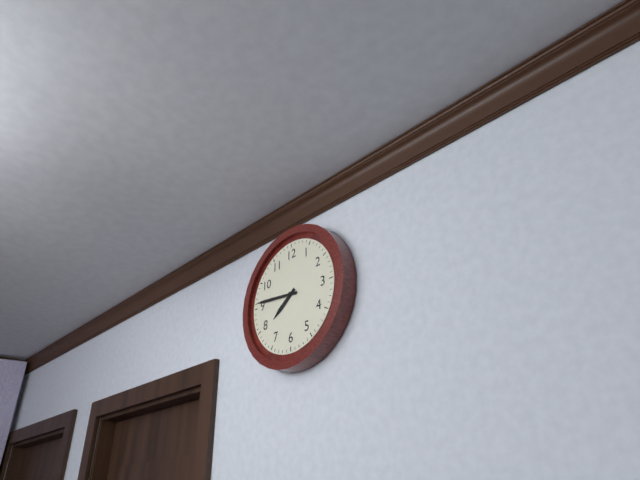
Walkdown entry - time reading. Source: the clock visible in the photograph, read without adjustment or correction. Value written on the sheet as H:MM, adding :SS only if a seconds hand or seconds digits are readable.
7:46
